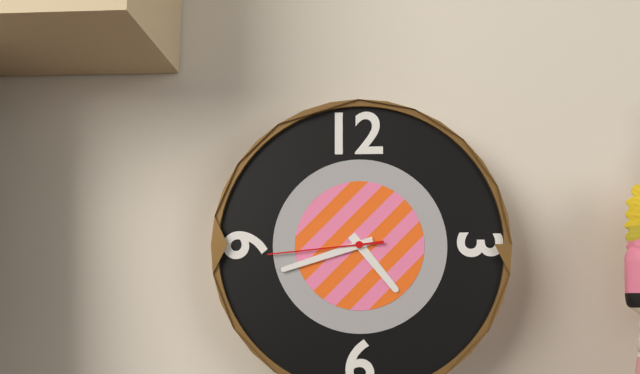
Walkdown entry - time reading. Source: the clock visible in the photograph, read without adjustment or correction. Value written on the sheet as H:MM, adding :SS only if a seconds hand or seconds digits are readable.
4:42:44
